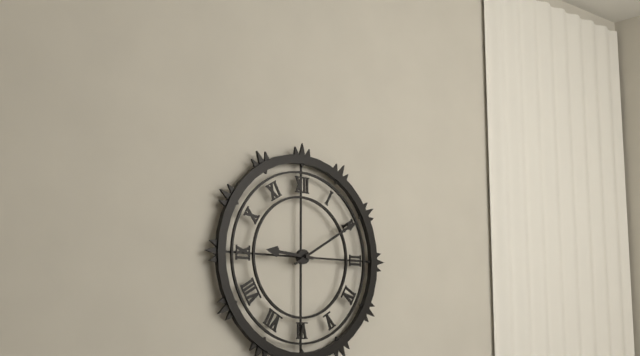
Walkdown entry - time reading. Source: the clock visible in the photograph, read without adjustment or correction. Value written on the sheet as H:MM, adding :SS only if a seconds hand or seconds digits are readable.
9:10
